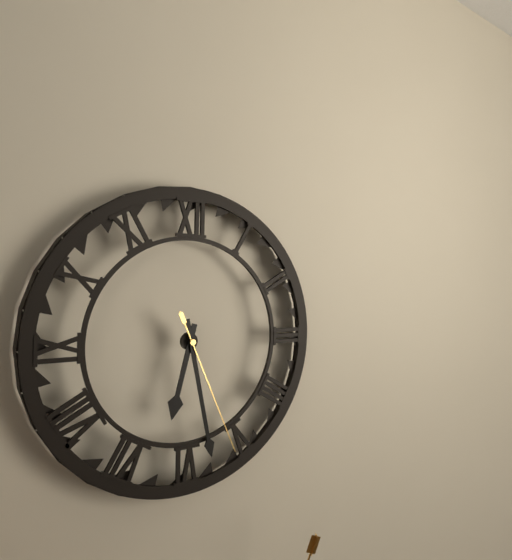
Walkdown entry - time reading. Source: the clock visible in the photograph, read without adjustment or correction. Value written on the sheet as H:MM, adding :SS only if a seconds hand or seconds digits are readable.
6:28:26
